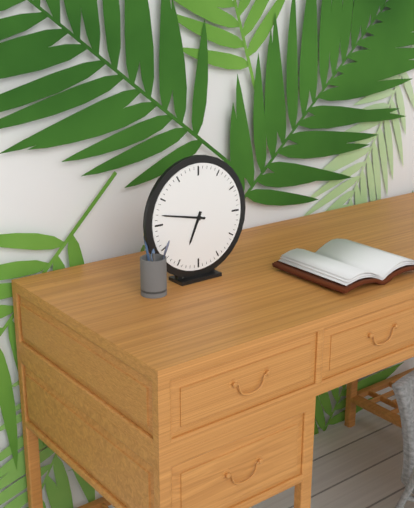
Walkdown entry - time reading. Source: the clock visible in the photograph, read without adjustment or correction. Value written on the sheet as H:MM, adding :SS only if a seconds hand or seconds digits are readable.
6:47
